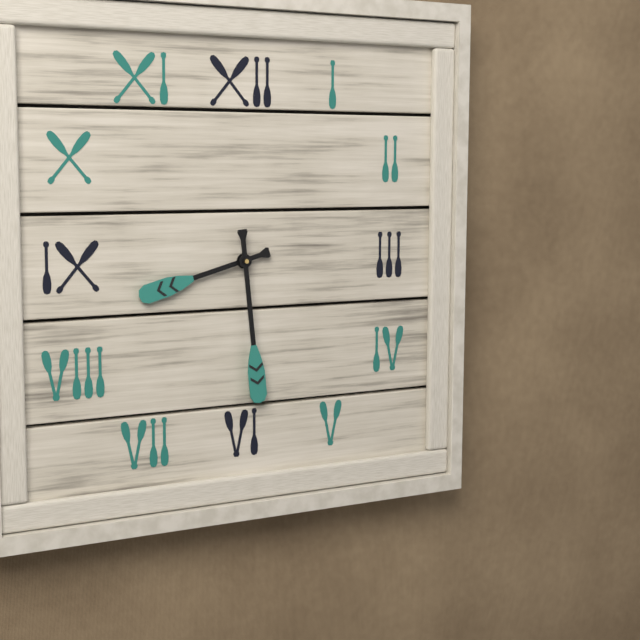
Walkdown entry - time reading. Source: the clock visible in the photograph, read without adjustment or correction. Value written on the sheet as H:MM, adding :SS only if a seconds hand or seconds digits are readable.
8:29
